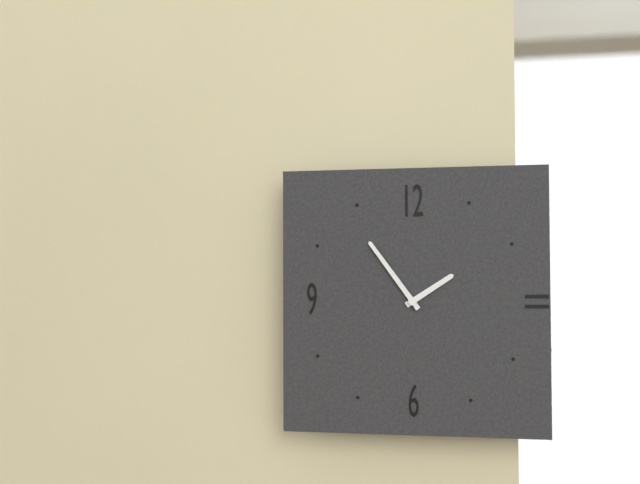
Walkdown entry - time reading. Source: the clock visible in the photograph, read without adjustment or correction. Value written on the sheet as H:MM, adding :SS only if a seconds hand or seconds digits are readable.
1:54
